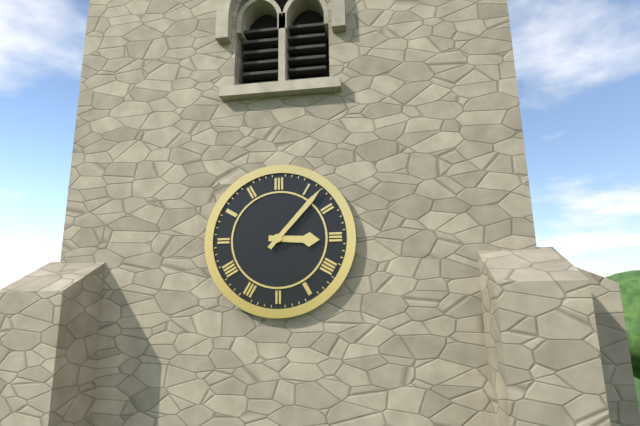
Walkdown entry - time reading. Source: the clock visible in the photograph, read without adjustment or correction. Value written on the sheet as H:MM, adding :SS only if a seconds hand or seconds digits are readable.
3:07
